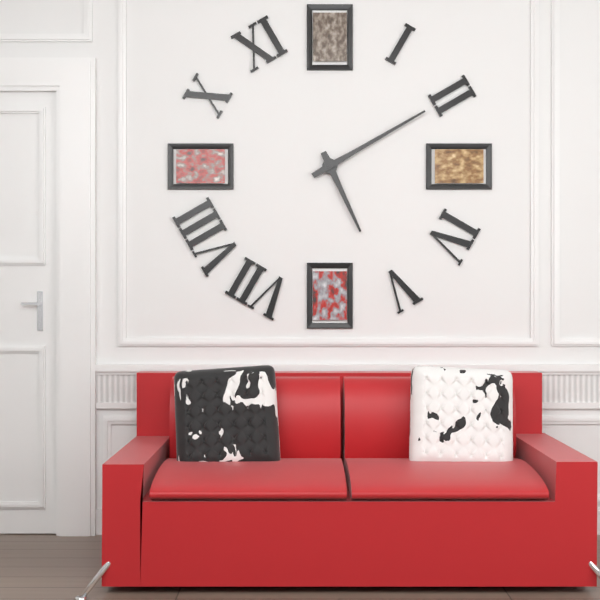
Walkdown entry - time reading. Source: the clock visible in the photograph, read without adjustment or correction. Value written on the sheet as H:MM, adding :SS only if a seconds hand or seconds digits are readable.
5:10
